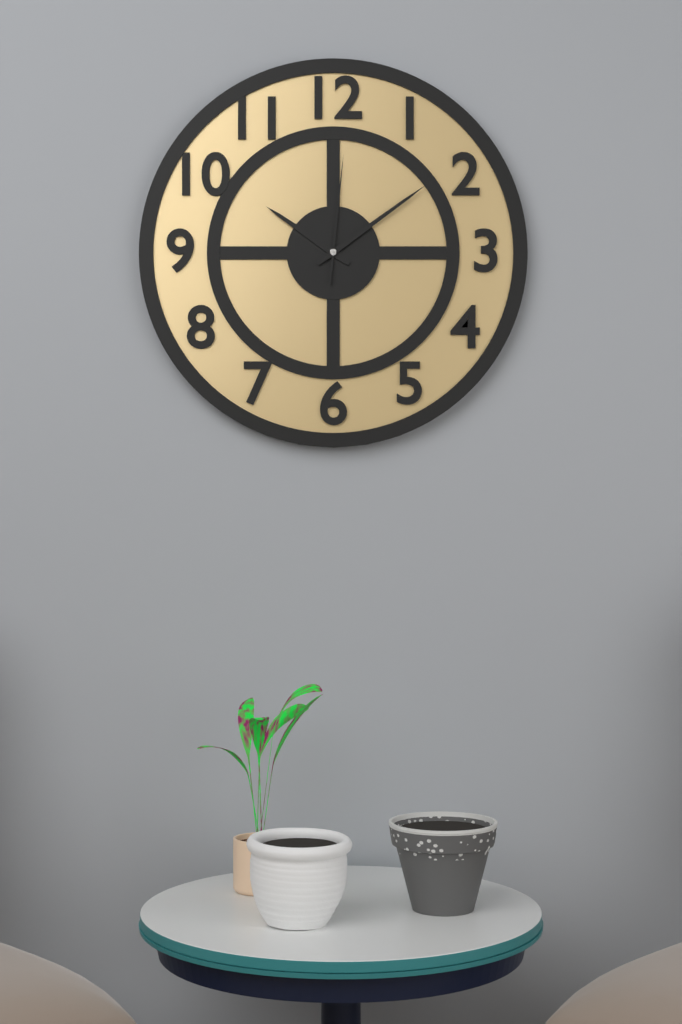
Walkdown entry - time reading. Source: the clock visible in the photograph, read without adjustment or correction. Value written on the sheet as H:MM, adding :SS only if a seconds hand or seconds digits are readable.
10:09:01
